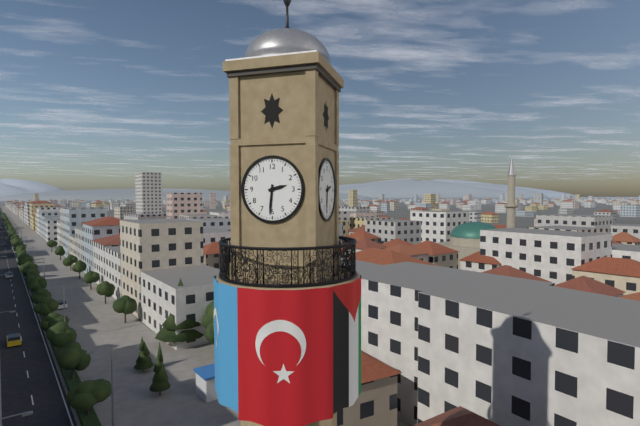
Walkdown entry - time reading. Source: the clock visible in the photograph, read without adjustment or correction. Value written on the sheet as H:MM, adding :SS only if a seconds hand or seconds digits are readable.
2:31
